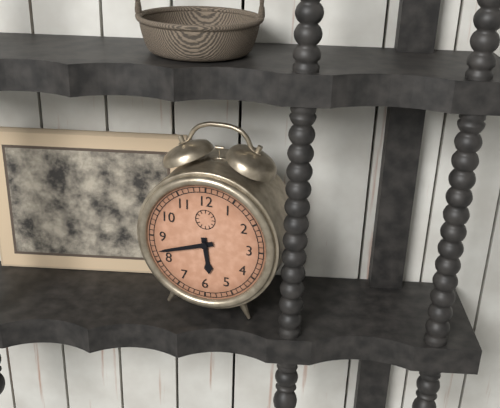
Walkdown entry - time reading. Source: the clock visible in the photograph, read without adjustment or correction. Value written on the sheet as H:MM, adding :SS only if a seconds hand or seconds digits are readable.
5:42
